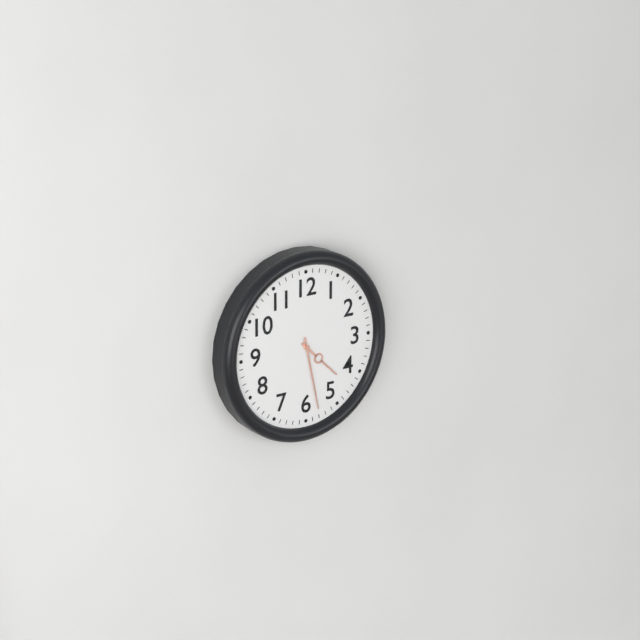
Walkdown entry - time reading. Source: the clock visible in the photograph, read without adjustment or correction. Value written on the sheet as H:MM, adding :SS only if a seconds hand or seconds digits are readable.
4:28
